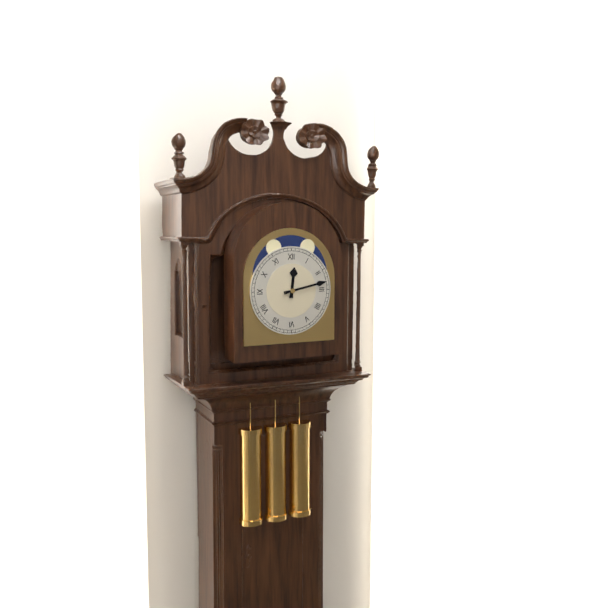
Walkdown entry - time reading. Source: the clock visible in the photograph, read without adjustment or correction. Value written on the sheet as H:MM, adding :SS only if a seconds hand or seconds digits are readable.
12:13
